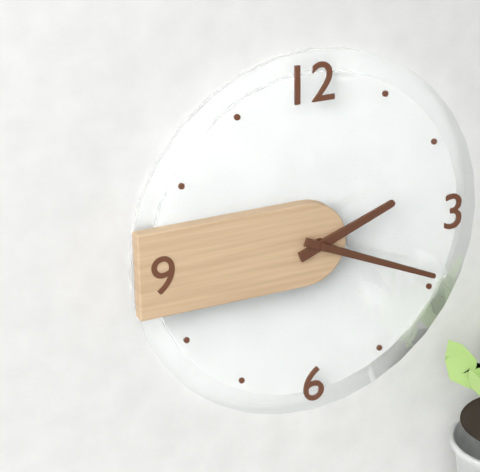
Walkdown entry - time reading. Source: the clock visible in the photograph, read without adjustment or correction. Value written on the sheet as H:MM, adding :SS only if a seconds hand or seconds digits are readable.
2:19
